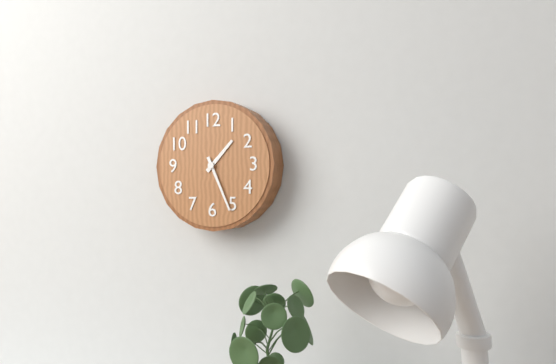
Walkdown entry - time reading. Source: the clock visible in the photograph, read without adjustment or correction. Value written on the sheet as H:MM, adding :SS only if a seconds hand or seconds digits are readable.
1:26
